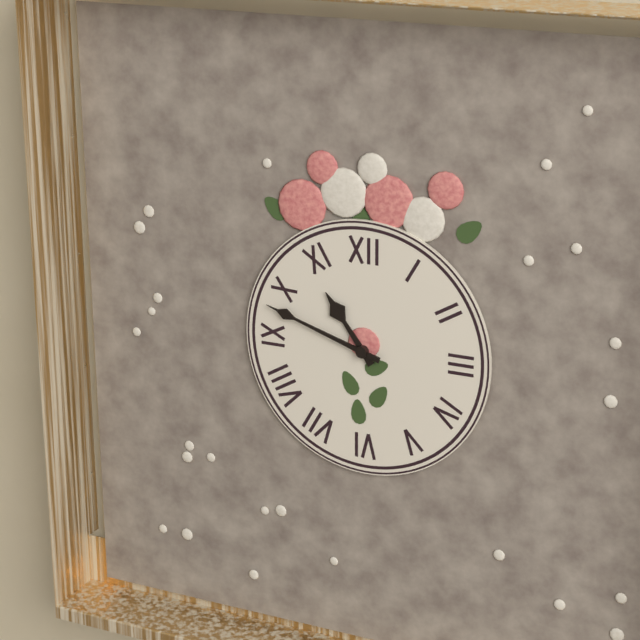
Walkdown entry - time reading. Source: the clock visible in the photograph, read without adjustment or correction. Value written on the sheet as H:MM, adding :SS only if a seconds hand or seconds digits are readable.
10:48
